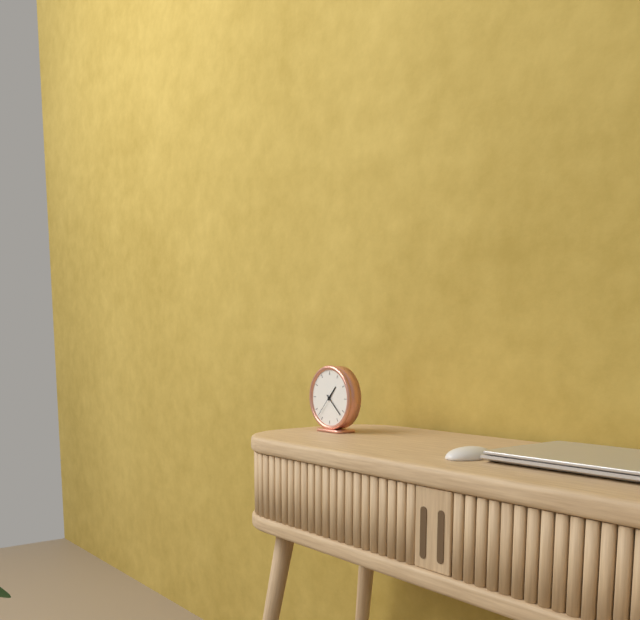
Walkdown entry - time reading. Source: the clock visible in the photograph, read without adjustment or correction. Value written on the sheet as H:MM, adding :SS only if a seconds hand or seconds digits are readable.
1:22
